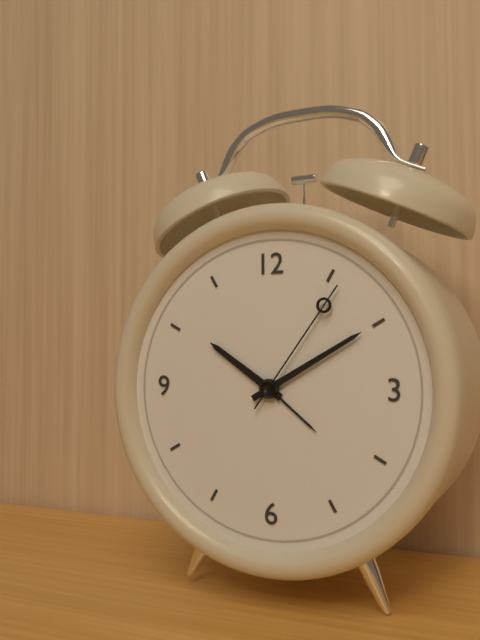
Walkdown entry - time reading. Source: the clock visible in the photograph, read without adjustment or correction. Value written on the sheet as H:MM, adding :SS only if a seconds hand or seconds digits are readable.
10:10:06
